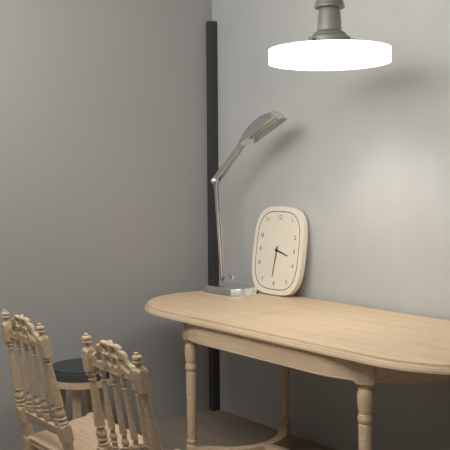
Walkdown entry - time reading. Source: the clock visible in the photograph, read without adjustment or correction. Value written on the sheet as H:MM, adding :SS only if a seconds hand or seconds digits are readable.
3:31
